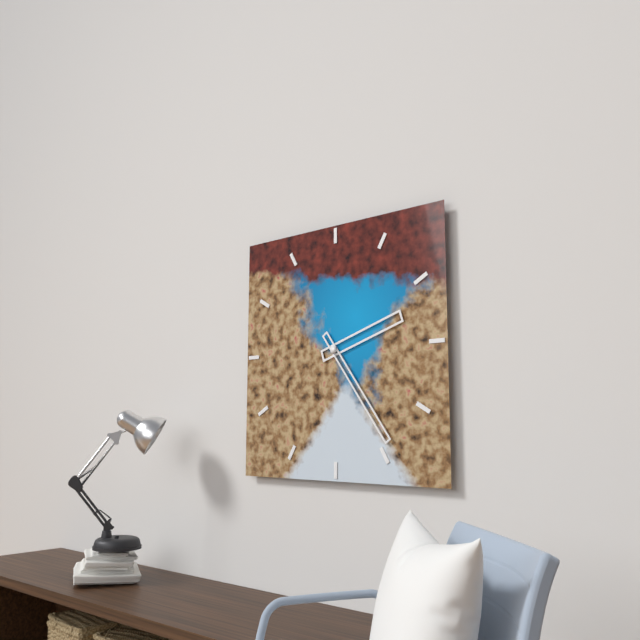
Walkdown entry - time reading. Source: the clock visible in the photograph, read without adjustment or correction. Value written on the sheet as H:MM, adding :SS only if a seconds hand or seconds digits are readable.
2:24
